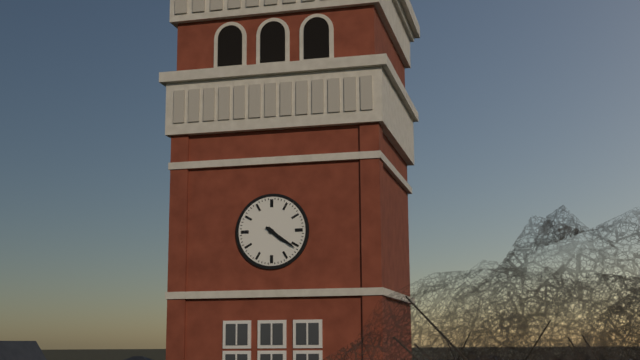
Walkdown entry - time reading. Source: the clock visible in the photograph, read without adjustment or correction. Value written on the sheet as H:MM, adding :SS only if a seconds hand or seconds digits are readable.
4:21
